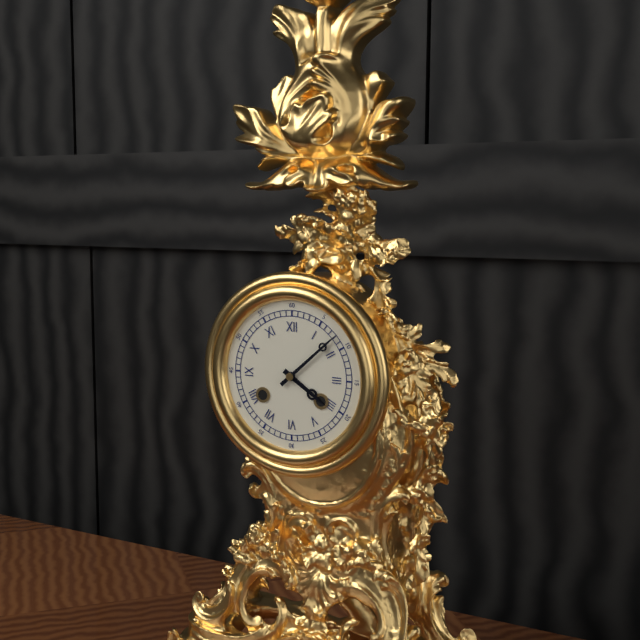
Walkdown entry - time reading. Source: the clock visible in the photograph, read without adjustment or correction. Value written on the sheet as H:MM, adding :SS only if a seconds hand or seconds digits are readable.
4:08
